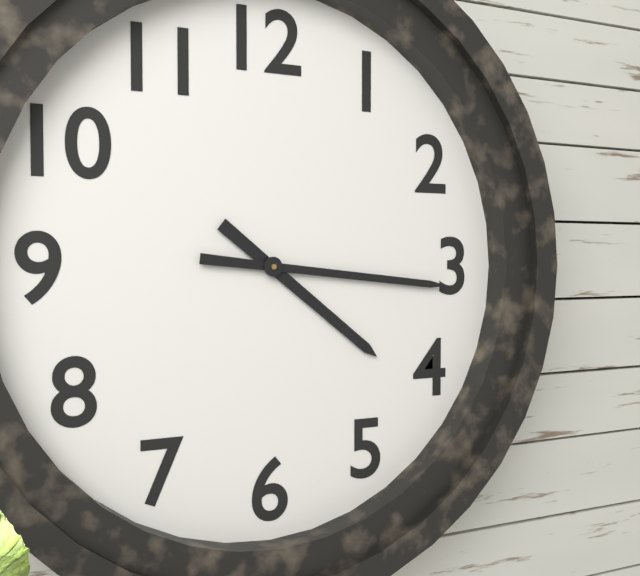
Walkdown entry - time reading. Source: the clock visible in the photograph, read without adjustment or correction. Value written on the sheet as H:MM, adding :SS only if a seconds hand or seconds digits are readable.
4:16
